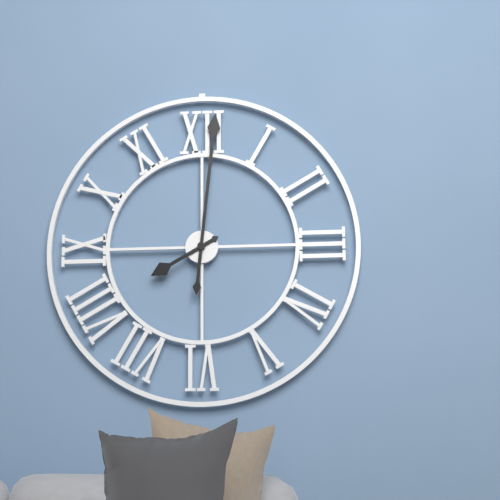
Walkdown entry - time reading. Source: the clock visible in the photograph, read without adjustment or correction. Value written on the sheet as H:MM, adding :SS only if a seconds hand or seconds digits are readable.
8:01
